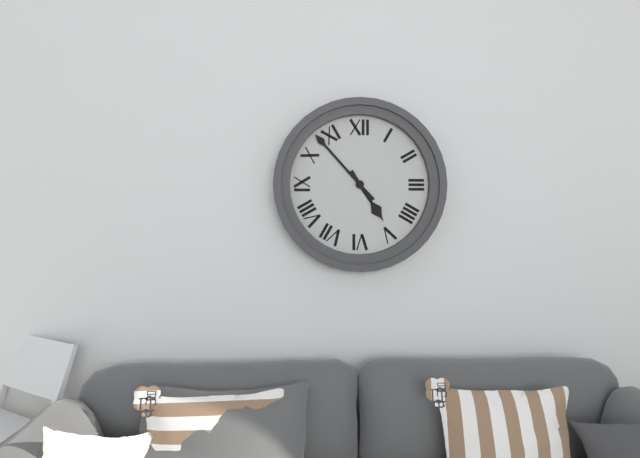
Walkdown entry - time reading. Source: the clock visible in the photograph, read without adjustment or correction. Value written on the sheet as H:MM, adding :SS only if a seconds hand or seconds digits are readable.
4:53
